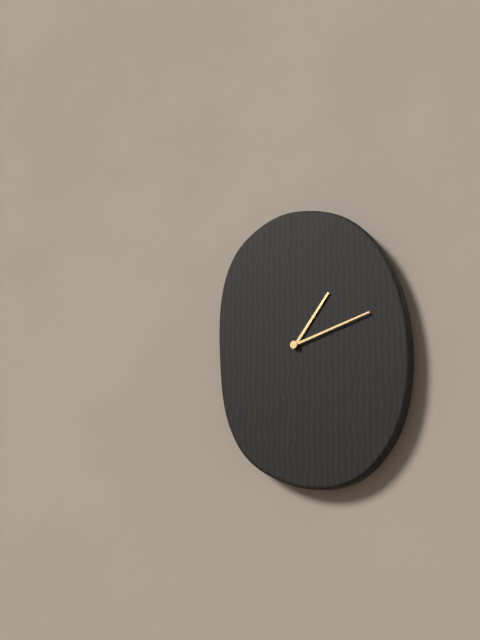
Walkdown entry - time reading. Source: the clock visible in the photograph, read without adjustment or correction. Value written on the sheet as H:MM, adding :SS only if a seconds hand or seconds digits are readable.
1:12
